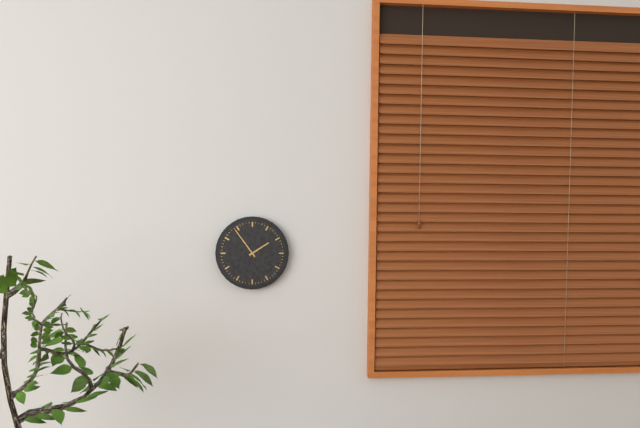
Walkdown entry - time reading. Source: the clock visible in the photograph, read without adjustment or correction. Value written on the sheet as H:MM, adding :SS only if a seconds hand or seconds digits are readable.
1:54
